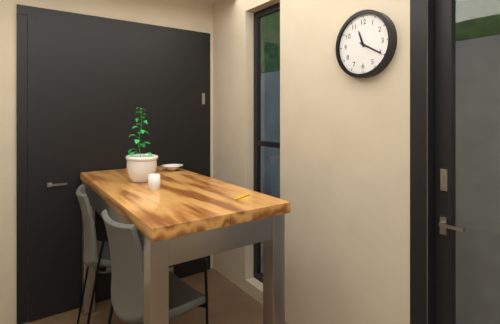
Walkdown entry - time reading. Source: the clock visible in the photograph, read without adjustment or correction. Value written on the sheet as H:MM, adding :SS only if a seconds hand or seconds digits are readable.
11:20
